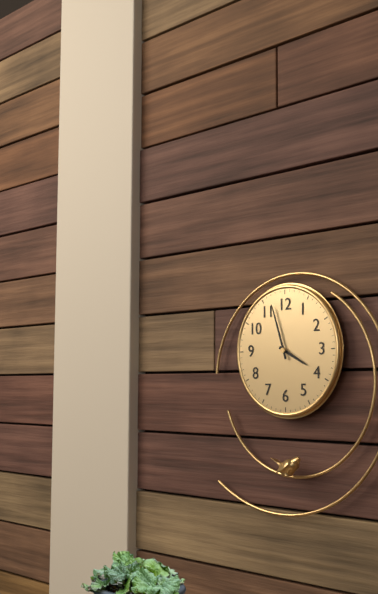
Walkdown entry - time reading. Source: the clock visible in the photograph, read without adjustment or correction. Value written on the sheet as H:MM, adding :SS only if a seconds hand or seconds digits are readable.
3:57
